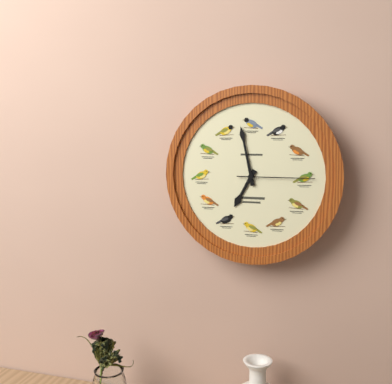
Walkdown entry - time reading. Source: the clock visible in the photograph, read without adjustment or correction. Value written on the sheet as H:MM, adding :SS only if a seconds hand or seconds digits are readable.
6:58:15
